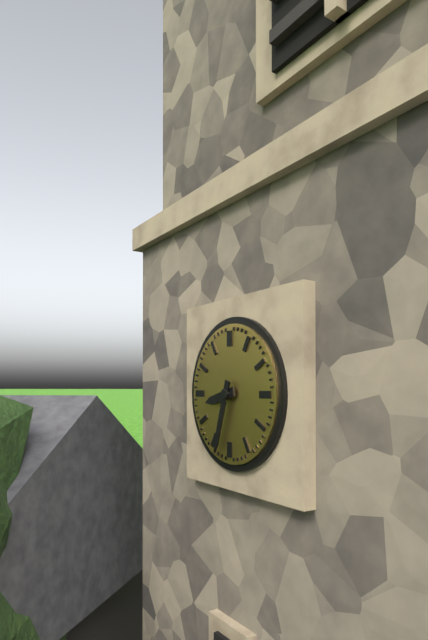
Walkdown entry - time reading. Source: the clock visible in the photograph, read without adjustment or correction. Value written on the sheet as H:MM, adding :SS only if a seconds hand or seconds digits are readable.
8:33
